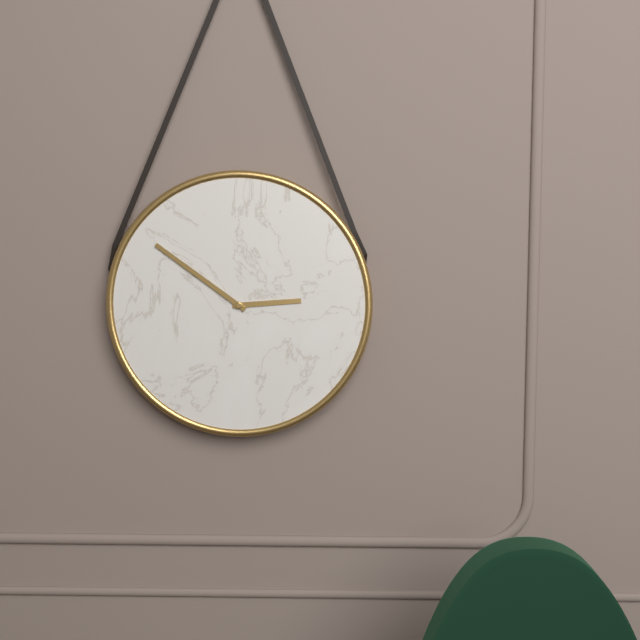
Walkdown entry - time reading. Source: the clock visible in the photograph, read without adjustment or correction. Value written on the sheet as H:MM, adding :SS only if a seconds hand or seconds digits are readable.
2:51
